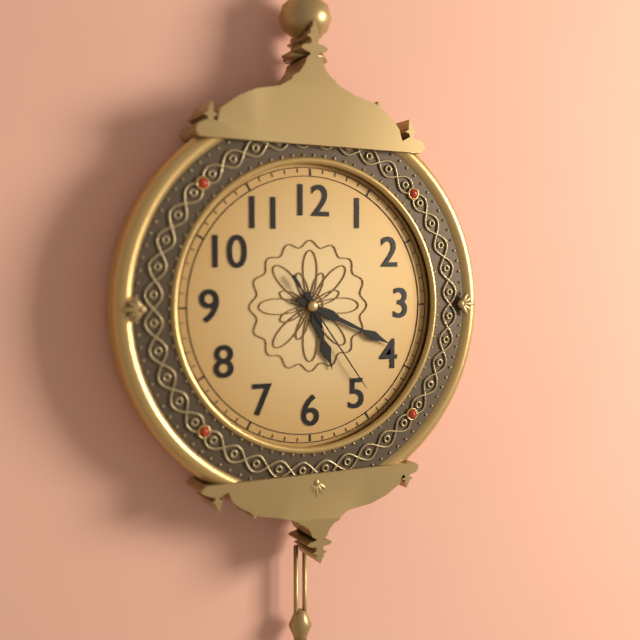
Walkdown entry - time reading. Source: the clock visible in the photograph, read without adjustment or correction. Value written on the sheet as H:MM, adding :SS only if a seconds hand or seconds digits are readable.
5:19:24
